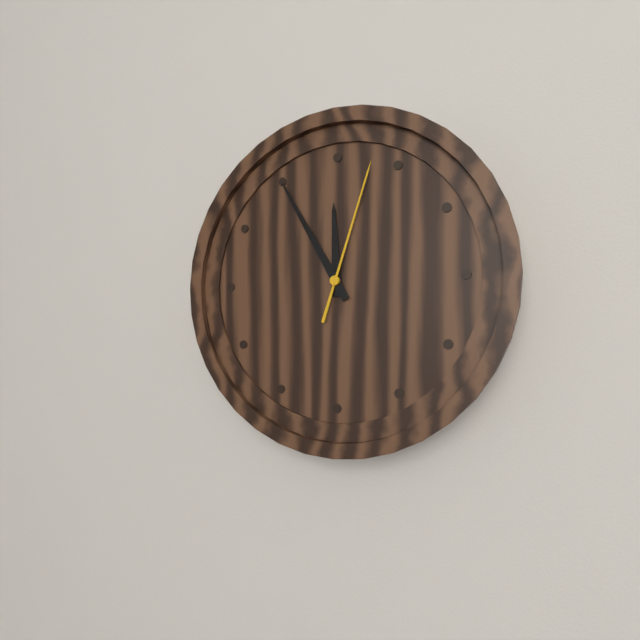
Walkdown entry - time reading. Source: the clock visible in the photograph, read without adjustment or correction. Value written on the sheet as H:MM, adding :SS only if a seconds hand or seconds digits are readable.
11:55:03
